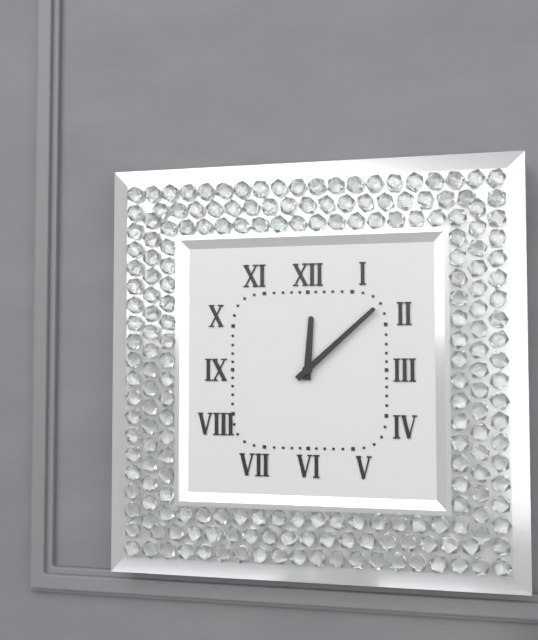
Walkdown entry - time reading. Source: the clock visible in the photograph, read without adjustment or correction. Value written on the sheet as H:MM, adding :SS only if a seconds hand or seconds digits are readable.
12:08
